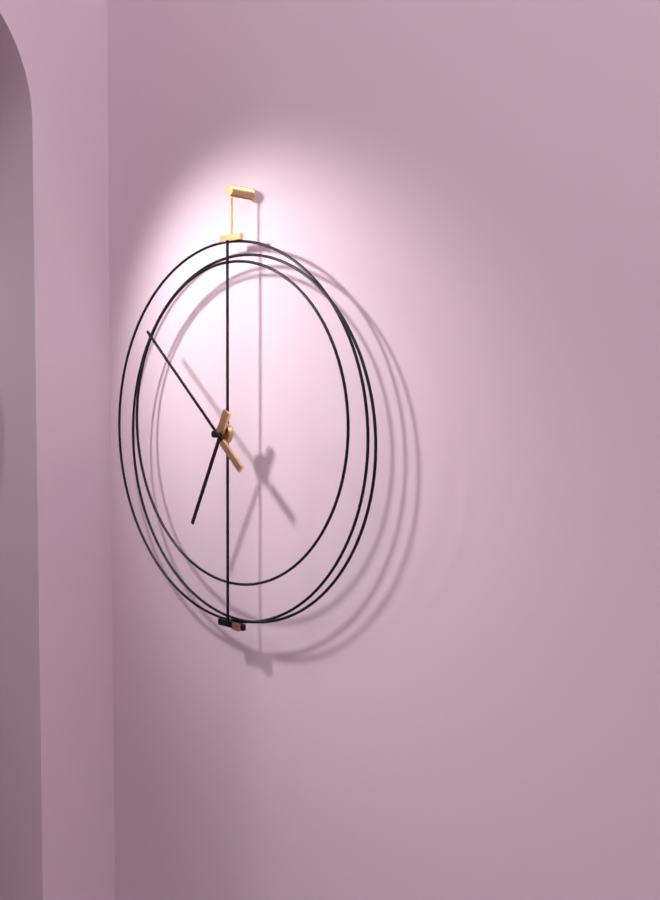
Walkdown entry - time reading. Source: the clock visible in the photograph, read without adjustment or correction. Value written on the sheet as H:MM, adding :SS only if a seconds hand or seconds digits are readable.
6:52
